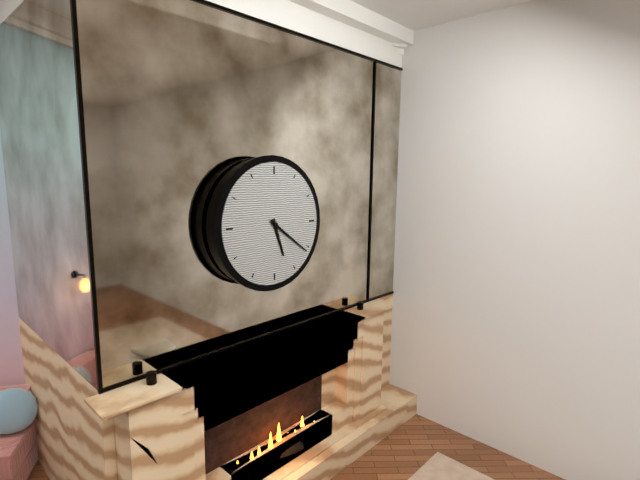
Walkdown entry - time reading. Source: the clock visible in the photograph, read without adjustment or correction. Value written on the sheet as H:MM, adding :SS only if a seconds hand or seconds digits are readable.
5:21
